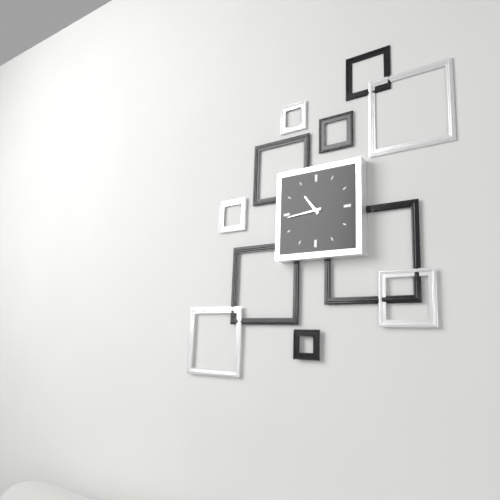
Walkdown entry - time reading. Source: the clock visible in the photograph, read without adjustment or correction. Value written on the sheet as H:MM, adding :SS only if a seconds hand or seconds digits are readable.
10:44
